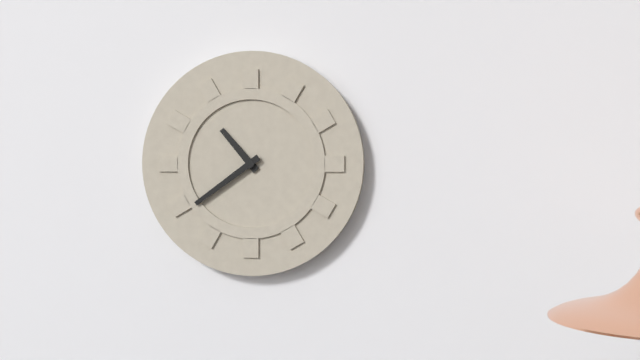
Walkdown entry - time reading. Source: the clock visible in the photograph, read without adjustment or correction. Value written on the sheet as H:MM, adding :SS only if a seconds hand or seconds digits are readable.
10:39
